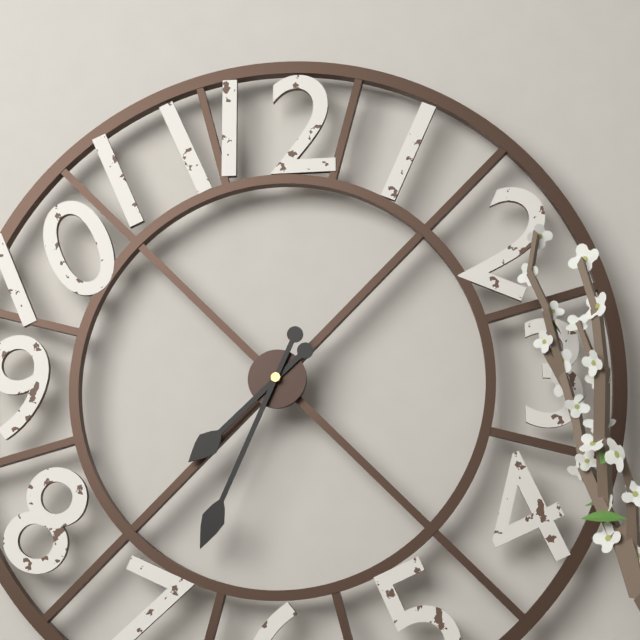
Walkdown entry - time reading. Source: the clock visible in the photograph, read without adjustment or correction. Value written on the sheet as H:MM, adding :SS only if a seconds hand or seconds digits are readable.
7:34
